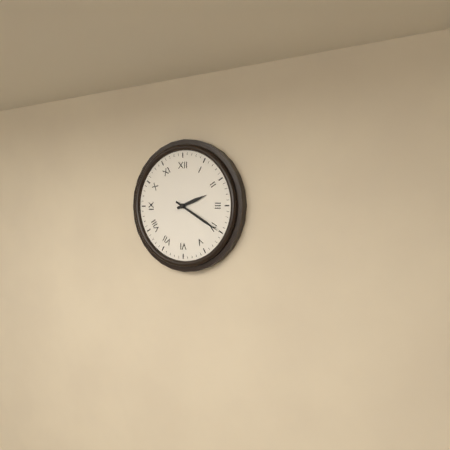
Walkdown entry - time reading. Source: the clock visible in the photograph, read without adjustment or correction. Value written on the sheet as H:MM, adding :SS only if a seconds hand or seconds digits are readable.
2:20
